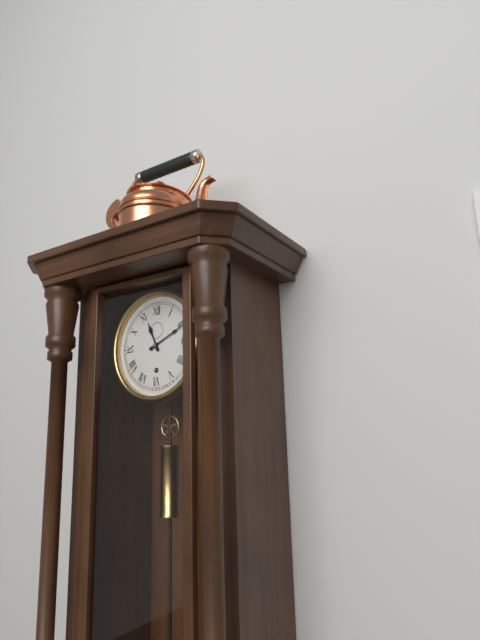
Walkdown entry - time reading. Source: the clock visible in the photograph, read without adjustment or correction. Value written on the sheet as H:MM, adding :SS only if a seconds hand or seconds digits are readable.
11:11
